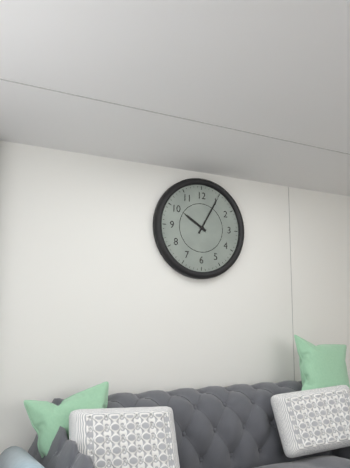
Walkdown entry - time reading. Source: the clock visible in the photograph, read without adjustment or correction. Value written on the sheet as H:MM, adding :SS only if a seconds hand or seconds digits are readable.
10:05
